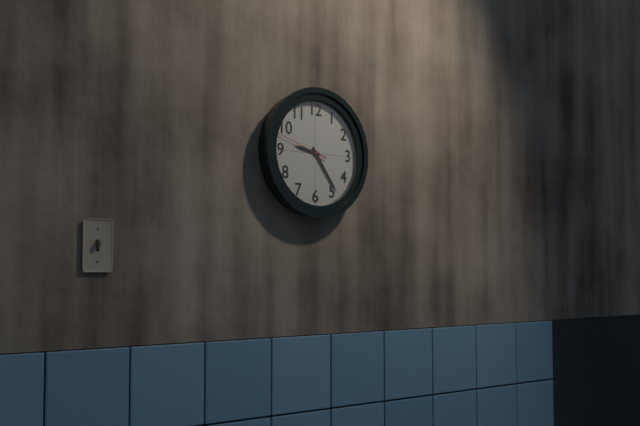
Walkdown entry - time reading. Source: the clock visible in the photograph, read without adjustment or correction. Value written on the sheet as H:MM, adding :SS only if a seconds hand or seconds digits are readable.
9:24:48
